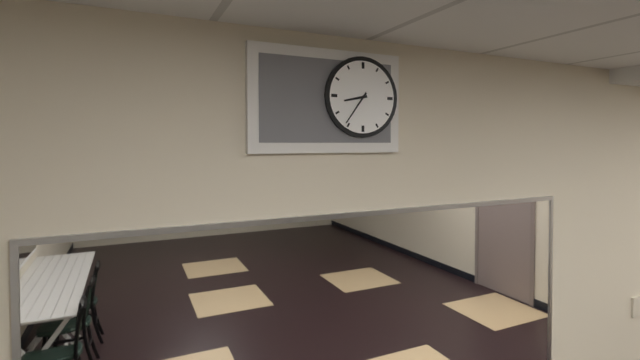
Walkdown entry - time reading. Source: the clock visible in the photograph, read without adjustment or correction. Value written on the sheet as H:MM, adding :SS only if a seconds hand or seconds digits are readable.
8:36
